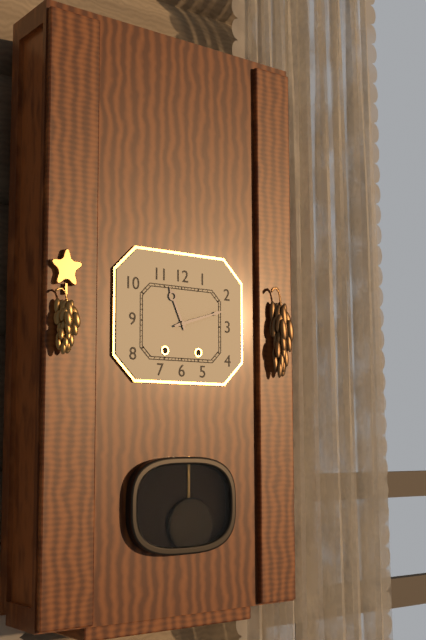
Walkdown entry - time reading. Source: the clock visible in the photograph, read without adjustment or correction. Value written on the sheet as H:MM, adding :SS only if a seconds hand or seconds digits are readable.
11:12
